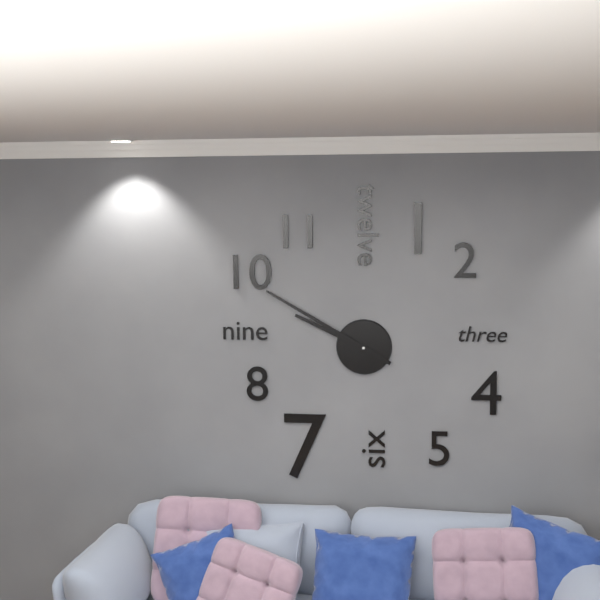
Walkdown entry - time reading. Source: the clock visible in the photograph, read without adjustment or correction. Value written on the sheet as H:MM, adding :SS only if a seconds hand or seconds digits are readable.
9:50
